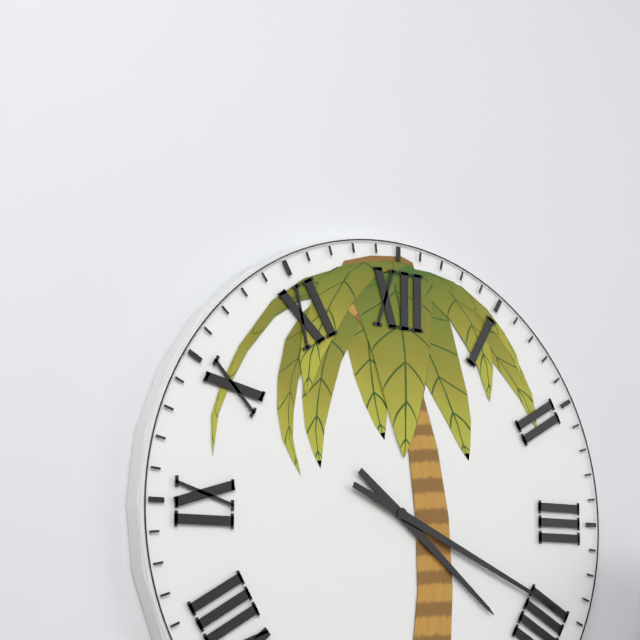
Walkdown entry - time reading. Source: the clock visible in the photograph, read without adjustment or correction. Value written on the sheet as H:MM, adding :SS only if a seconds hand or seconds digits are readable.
4:19
